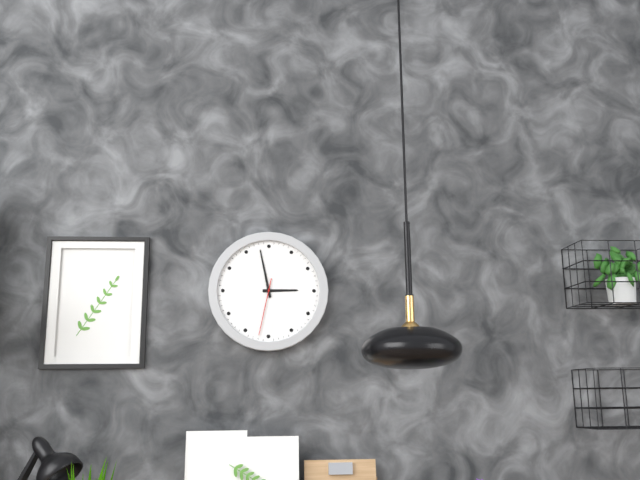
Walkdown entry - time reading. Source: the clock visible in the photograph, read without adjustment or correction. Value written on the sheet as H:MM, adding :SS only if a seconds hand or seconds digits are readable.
2:58:32
